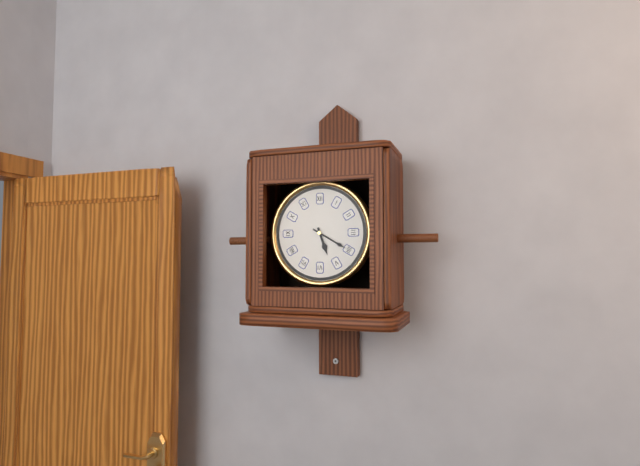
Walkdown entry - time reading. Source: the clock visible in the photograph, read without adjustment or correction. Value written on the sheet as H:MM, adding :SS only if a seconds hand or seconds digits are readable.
5:20
